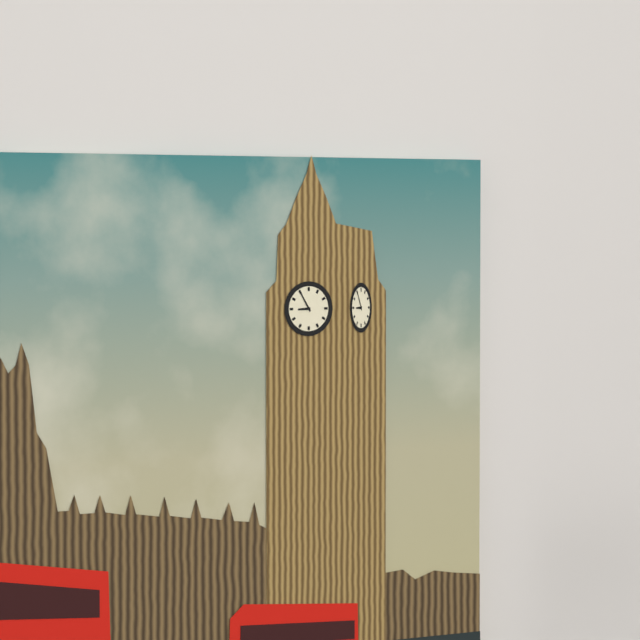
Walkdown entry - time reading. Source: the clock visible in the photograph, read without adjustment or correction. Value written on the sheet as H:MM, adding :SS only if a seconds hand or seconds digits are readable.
8:55
